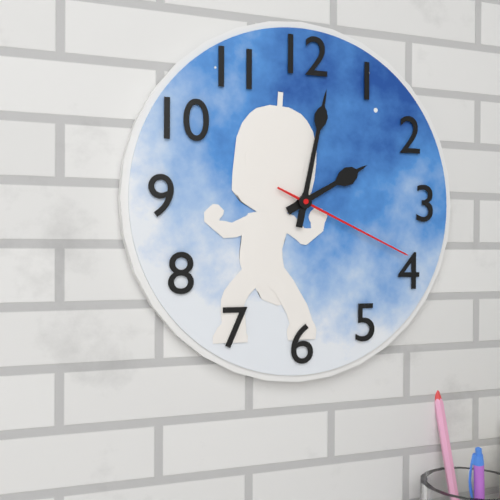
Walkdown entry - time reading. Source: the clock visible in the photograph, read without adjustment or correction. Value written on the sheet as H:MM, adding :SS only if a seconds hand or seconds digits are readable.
2:02:19
